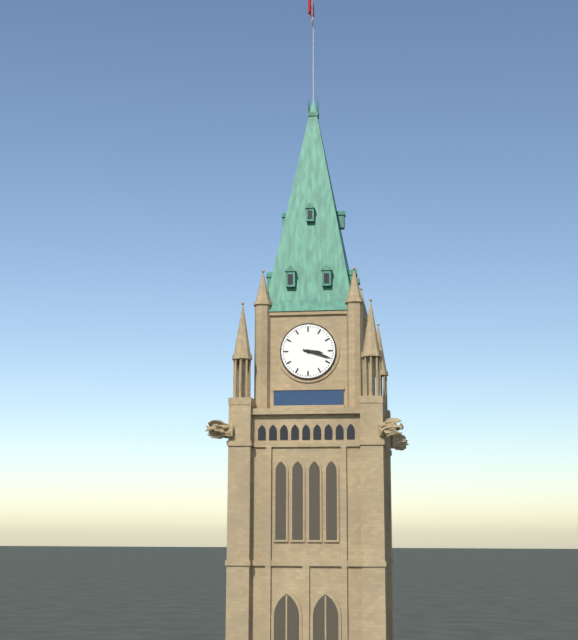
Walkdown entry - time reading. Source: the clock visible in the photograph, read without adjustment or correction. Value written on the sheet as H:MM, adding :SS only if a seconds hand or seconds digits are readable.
3:18
